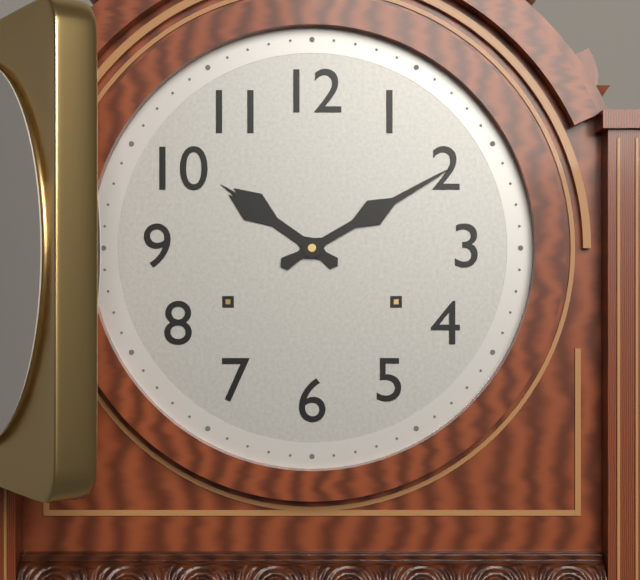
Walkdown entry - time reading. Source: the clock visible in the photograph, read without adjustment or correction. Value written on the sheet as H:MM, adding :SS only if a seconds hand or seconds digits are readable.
10:10
